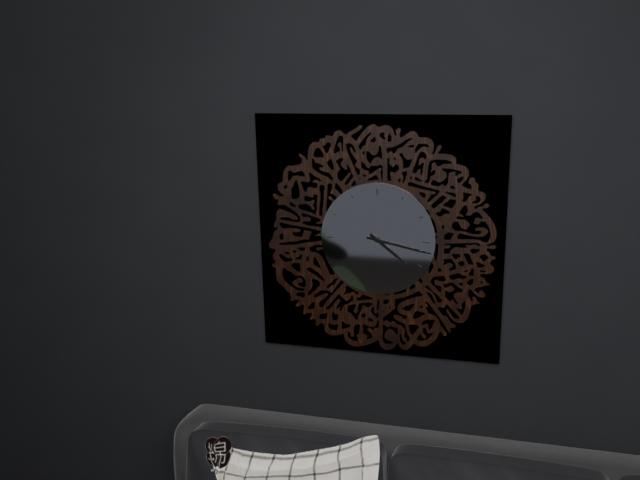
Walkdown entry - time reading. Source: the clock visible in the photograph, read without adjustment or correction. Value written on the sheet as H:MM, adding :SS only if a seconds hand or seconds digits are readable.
4:17
